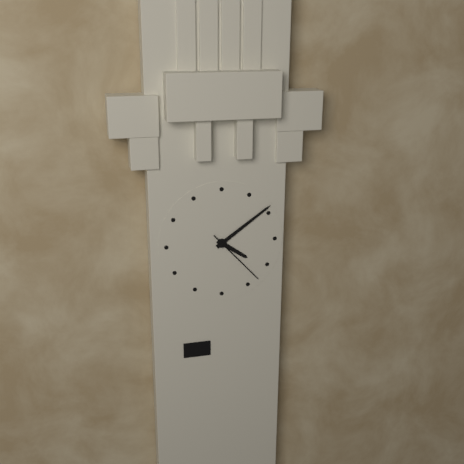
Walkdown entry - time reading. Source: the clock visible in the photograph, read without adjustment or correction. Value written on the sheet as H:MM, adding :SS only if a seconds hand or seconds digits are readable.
4:09:23
